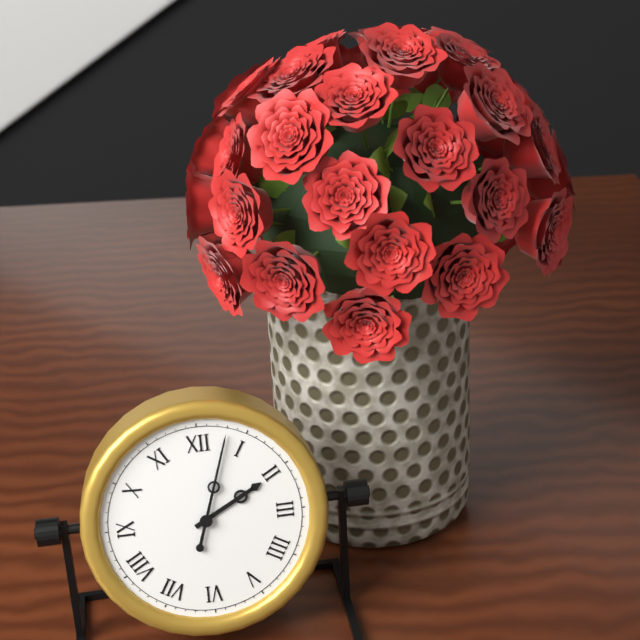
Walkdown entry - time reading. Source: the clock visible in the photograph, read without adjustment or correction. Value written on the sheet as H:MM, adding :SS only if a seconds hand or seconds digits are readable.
2:03
